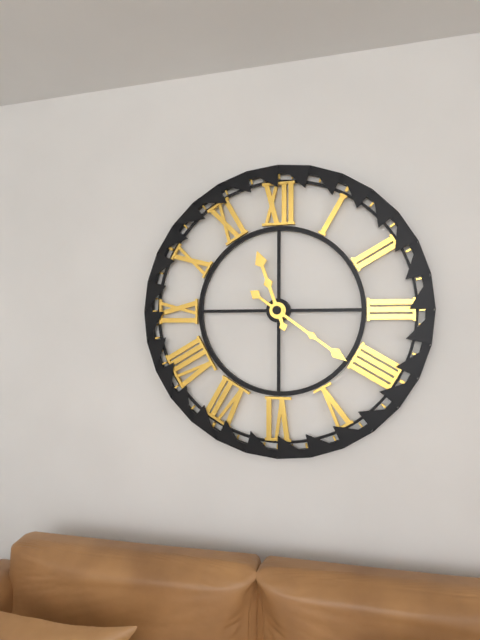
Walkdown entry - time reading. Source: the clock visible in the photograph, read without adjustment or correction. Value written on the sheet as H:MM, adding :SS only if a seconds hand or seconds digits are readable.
11:21
